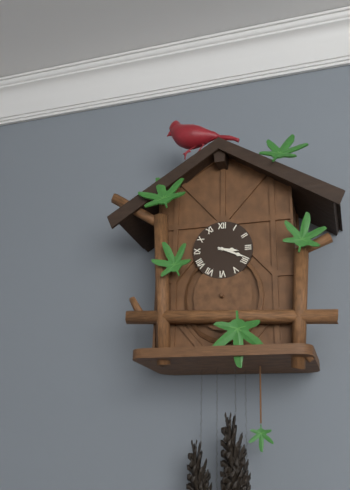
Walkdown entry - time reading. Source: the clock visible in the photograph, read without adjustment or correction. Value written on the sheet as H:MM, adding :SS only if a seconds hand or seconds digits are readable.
3:19
